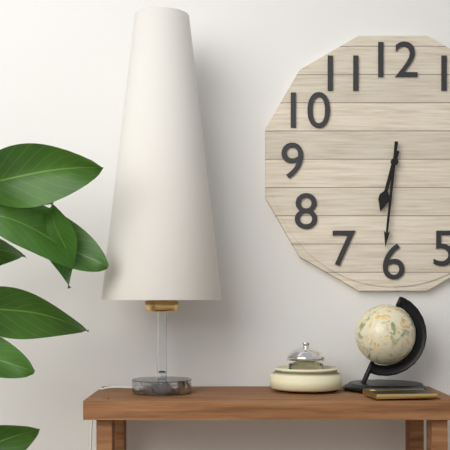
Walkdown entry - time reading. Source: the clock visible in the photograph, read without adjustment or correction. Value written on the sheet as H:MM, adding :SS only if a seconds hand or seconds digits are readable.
6:31
